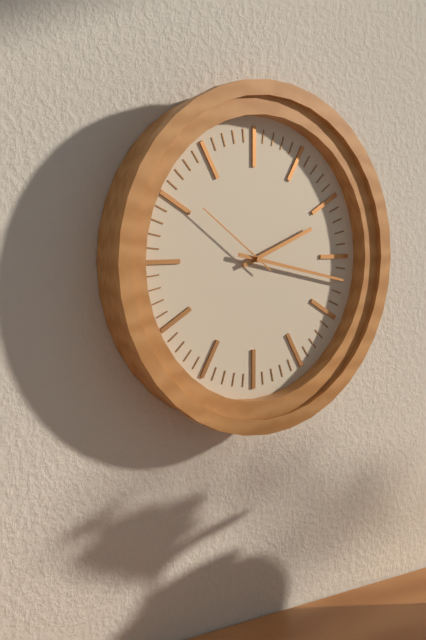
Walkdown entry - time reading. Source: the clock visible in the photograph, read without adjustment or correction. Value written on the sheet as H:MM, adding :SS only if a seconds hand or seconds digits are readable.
2:17:51
